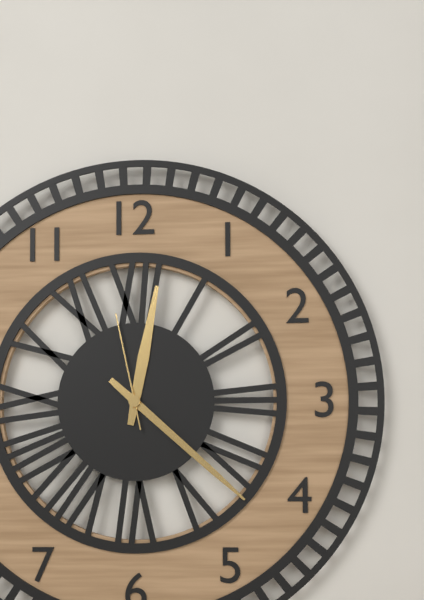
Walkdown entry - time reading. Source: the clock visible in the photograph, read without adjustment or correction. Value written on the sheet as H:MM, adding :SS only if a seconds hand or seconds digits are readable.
12:22:58
